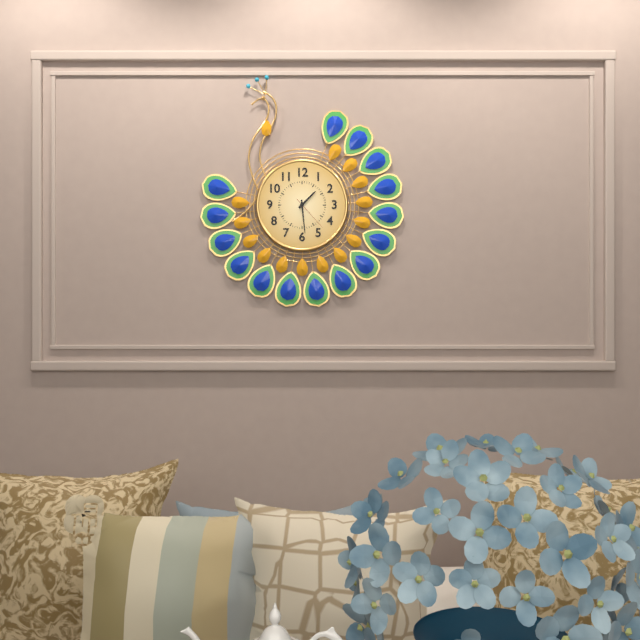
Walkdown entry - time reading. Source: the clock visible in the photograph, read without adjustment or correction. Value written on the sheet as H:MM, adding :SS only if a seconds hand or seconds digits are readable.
1:29
